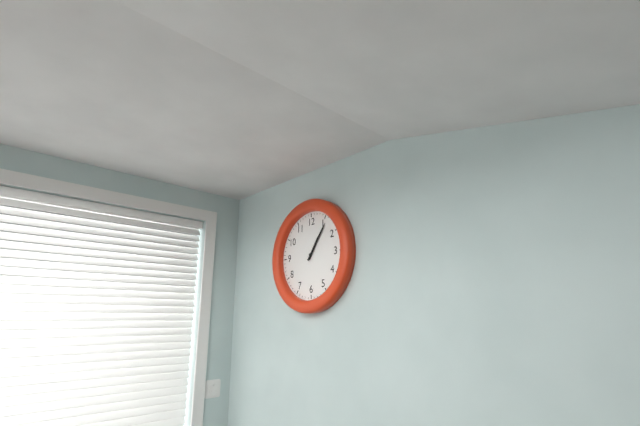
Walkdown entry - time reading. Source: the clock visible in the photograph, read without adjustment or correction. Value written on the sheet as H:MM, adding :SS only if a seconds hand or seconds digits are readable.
1:06
